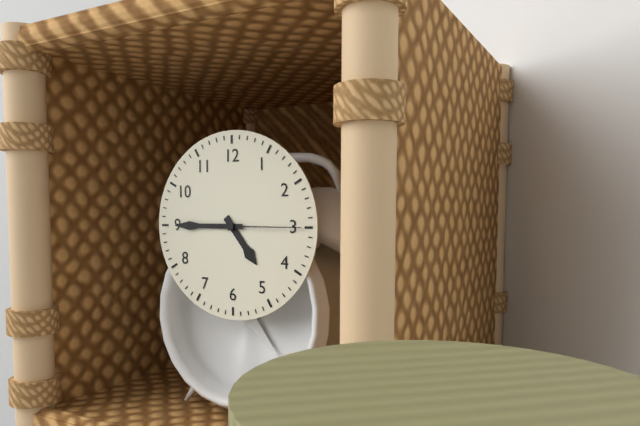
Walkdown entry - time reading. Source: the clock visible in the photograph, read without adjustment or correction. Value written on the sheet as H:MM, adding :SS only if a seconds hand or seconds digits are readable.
4:45:15
